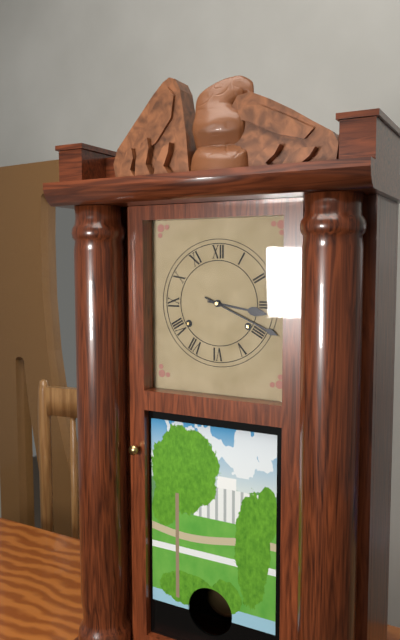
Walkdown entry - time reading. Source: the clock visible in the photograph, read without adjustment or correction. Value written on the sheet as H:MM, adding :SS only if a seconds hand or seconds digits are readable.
3:19
